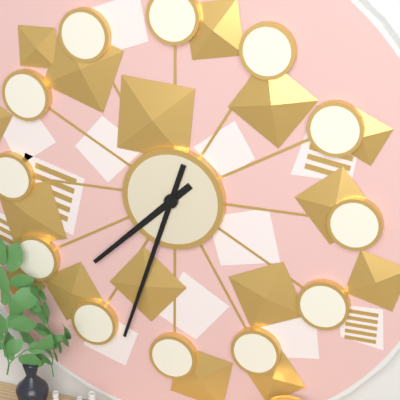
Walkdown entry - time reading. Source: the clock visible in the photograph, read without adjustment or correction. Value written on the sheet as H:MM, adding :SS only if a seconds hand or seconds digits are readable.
7:33
